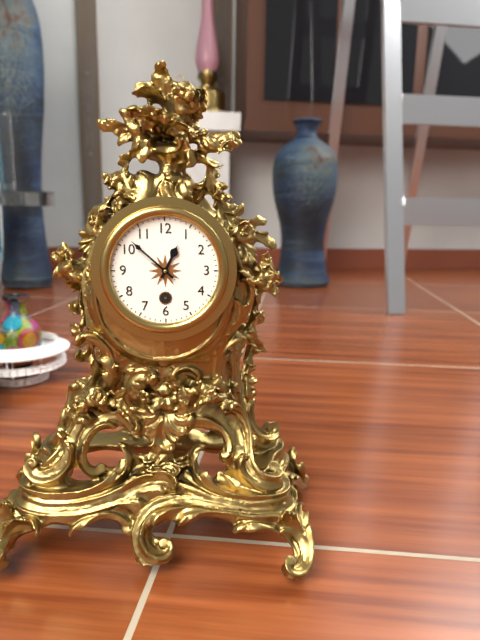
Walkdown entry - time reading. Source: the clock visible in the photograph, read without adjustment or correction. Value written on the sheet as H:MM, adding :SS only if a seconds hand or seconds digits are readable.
12:52
